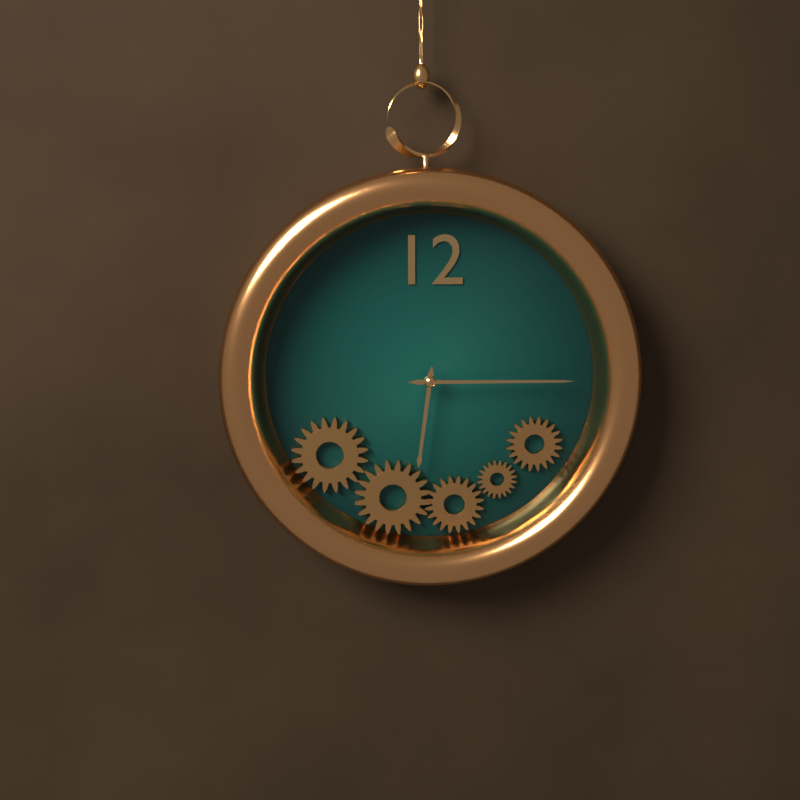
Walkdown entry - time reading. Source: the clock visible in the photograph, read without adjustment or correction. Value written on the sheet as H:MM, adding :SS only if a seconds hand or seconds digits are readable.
6:15
